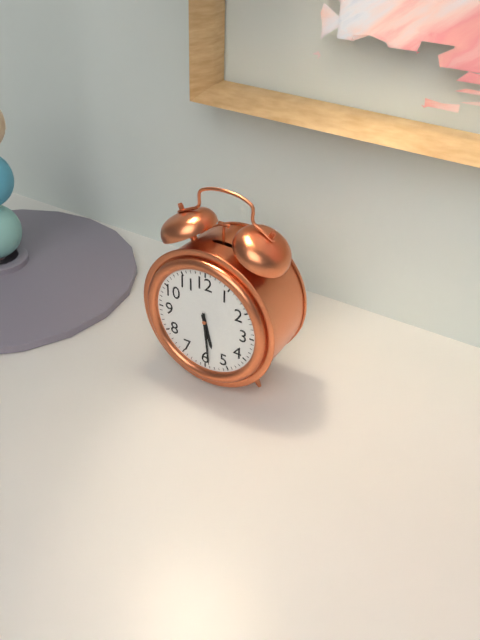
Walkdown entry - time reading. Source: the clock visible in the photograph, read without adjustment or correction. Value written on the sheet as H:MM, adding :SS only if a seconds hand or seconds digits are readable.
5:29
